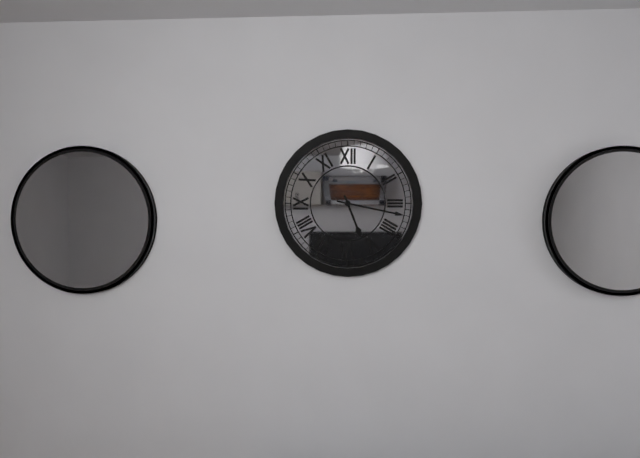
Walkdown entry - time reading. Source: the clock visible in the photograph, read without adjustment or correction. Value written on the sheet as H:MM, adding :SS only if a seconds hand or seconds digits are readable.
5:17
